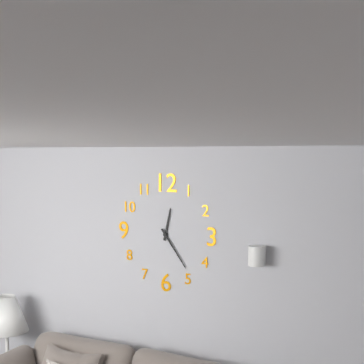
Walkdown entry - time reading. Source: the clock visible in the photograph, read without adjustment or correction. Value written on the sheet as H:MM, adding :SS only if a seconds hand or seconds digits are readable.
12:24
